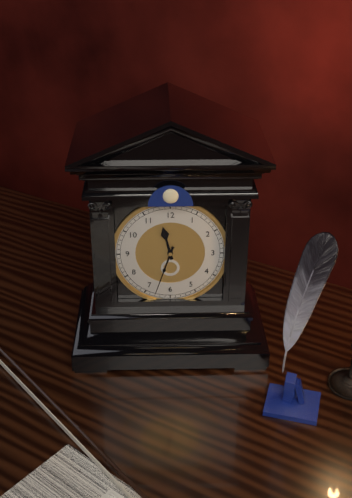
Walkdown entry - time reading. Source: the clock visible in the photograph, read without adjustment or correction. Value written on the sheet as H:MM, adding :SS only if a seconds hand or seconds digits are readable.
11:33
